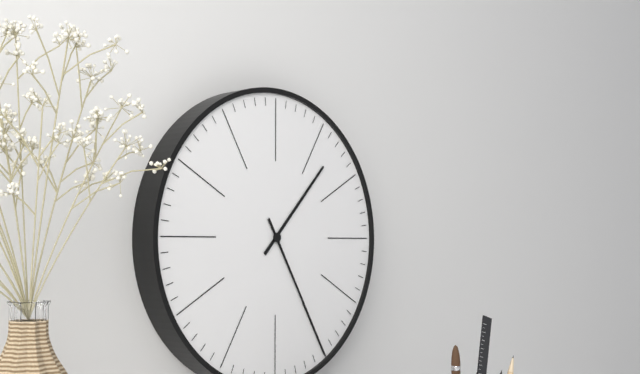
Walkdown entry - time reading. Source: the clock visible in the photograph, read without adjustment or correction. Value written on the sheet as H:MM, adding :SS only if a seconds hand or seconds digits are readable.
1:25
